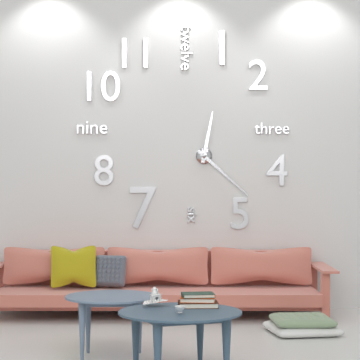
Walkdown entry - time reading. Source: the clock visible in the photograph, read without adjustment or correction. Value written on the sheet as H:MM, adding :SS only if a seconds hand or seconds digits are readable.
12:22
